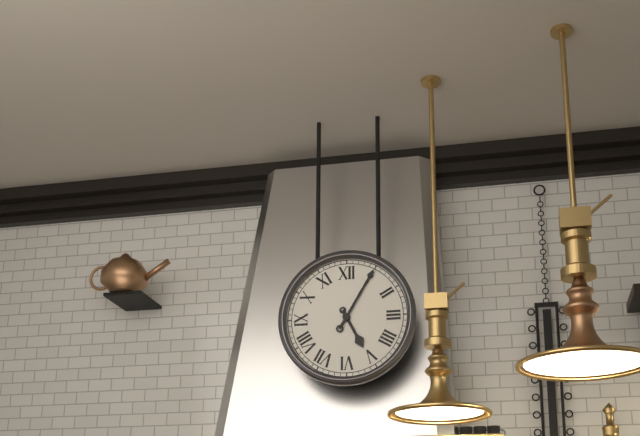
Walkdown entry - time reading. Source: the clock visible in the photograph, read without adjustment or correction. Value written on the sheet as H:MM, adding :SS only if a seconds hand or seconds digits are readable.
5:05
